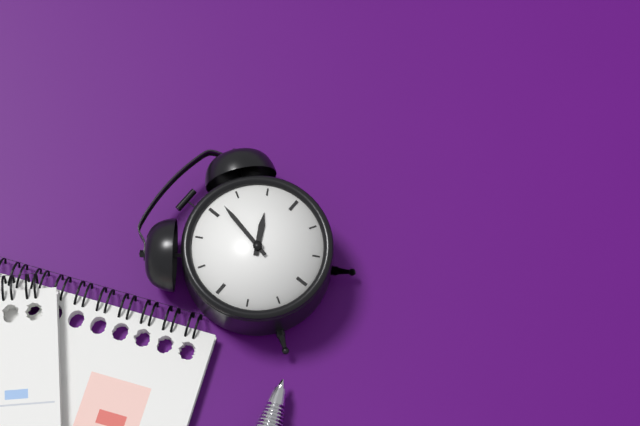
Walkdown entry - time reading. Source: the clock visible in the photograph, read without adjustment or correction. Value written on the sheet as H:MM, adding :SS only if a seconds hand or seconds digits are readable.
2:02
